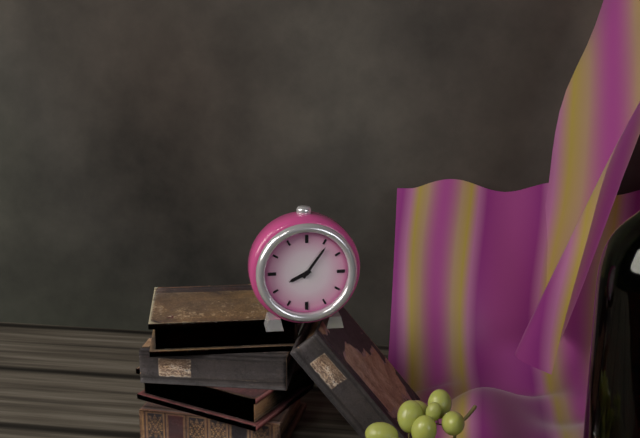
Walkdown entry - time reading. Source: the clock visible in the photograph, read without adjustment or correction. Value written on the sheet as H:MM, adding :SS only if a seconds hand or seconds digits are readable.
8:06
